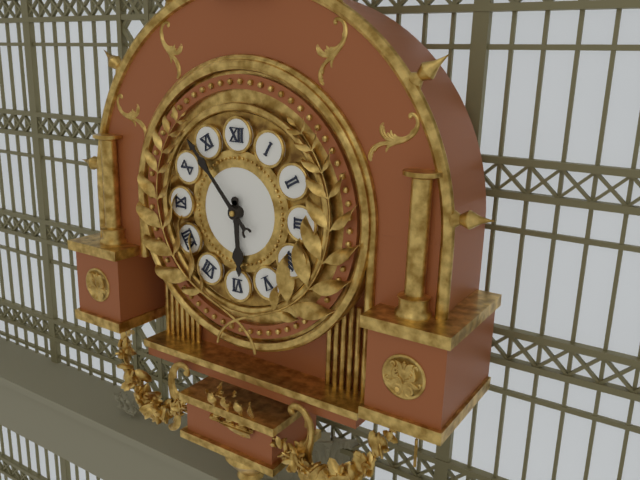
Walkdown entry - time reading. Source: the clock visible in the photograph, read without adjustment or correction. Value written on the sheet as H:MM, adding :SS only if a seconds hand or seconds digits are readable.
5:53
